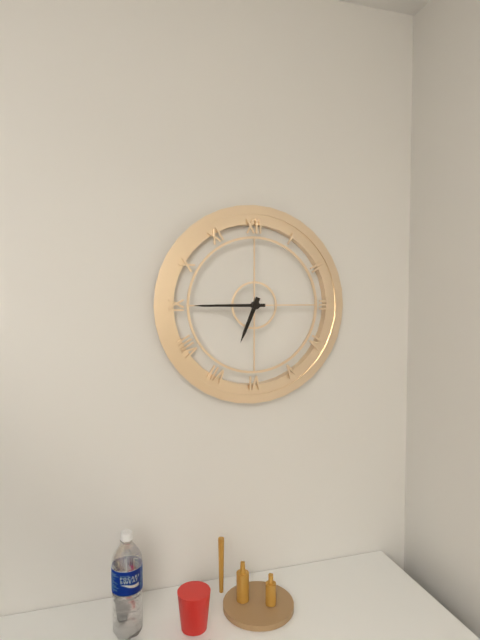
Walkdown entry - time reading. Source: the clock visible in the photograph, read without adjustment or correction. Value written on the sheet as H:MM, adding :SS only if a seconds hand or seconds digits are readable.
6:45
